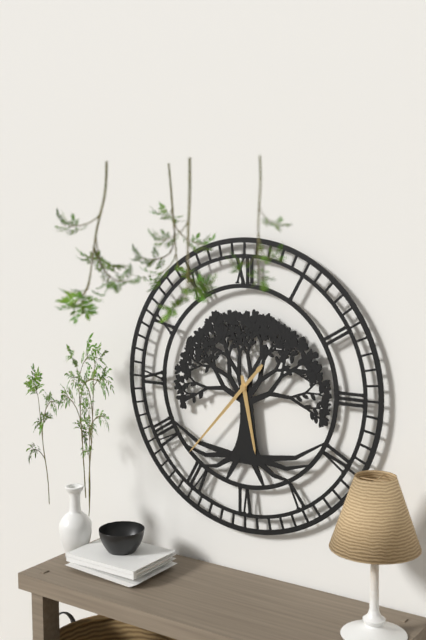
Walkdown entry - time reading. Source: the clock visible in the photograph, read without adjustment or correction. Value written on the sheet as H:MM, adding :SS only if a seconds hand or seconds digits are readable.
5:37
